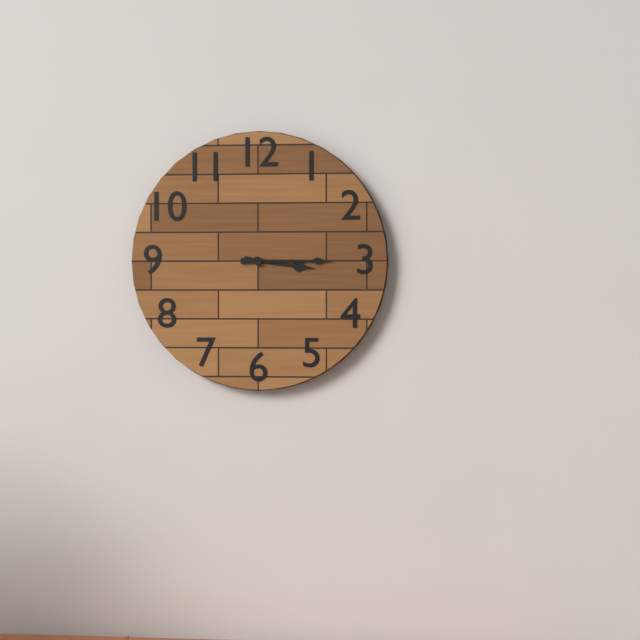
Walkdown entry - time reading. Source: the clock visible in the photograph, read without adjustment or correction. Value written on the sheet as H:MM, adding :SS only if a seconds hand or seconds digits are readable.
3:15
